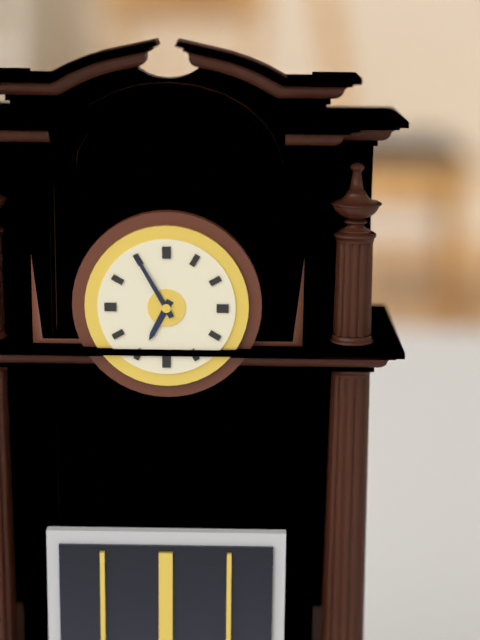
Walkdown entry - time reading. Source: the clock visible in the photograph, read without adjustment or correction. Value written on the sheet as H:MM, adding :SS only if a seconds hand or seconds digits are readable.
6:55
